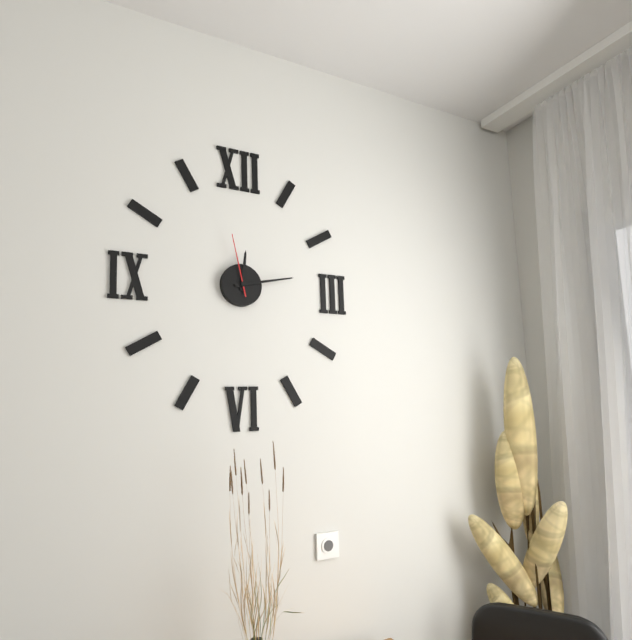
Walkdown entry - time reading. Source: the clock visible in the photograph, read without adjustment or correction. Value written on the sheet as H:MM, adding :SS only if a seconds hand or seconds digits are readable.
12:13:58
